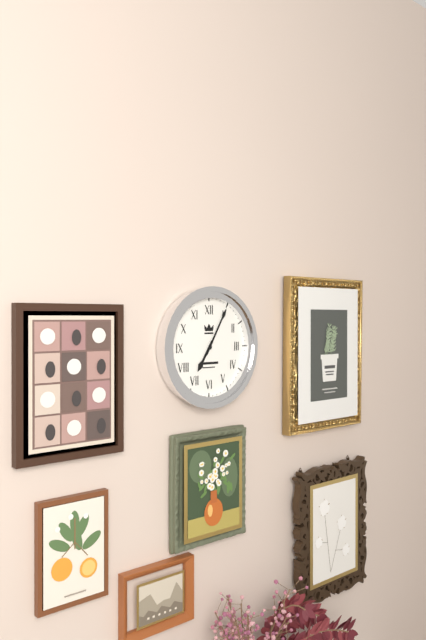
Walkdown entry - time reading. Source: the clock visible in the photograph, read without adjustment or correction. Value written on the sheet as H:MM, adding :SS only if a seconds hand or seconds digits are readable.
7:05
